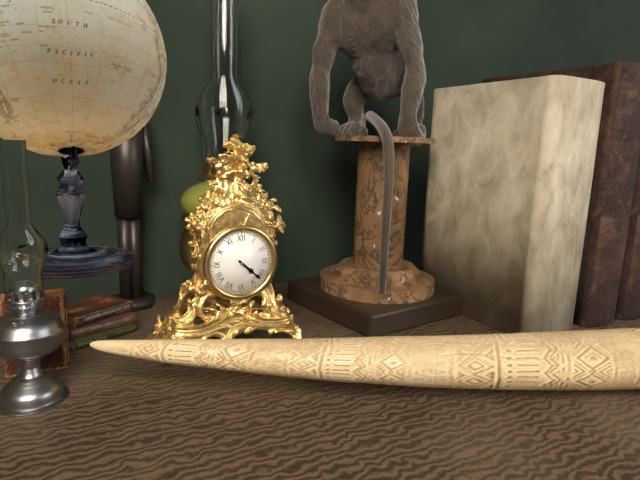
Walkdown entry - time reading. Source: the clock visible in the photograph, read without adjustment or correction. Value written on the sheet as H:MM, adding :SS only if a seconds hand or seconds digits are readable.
4:22
